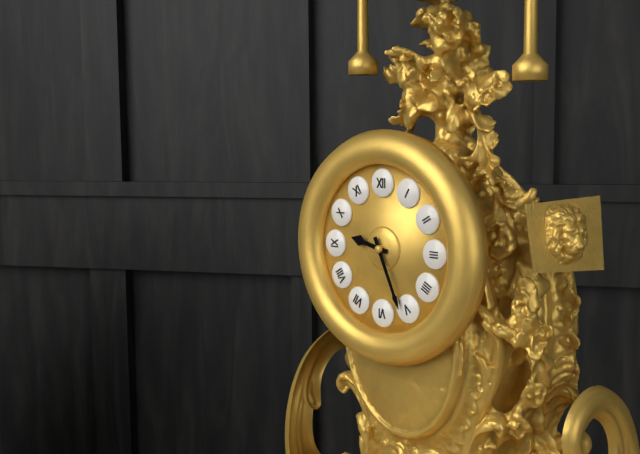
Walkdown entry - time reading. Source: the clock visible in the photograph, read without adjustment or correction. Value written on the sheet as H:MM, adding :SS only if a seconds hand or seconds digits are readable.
9:26
